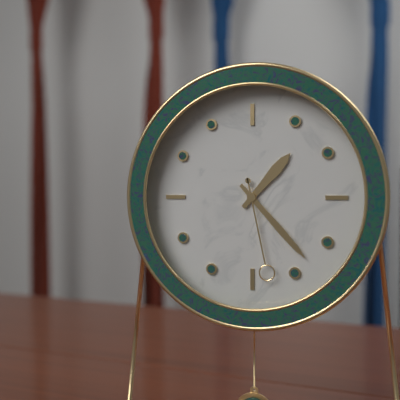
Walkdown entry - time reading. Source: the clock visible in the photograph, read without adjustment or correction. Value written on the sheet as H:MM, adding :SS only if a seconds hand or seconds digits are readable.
1:23:28
